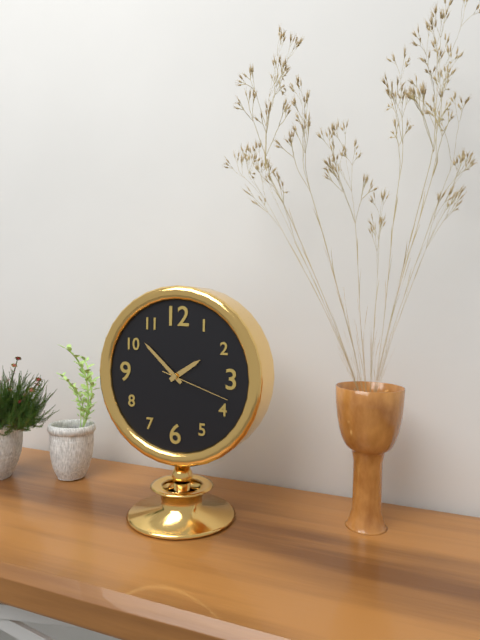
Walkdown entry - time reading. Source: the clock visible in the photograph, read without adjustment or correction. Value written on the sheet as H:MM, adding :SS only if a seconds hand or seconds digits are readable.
1:52:18
